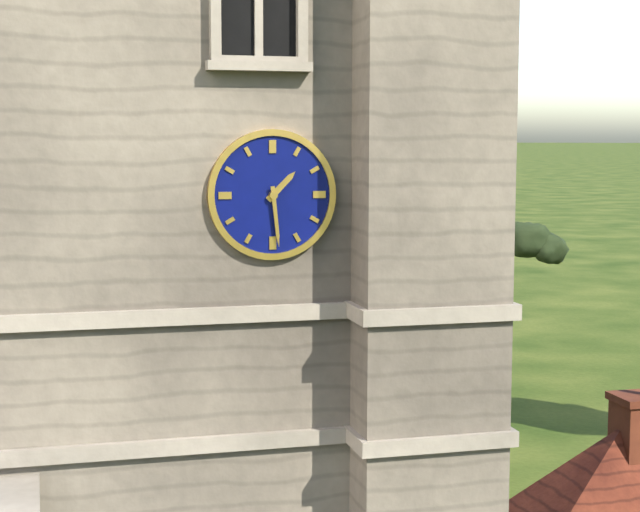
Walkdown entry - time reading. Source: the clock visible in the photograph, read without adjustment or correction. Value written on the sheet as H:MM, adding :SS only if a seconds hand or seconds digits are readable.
1:29
